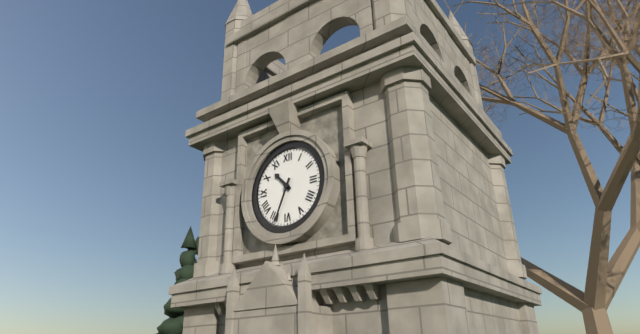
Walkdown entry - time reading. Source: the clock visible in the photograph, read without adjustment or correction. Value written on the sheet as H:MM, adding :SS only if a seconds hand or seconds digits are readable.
10:34
